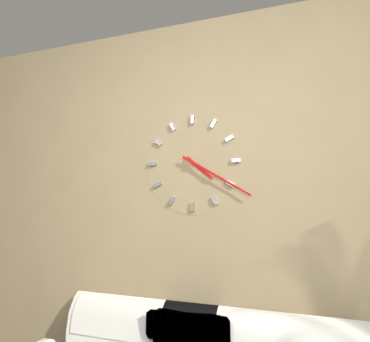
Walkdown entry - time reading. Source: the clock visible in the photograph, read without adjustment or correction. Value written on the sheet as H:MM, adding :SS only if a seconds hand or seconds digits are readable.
4:20
